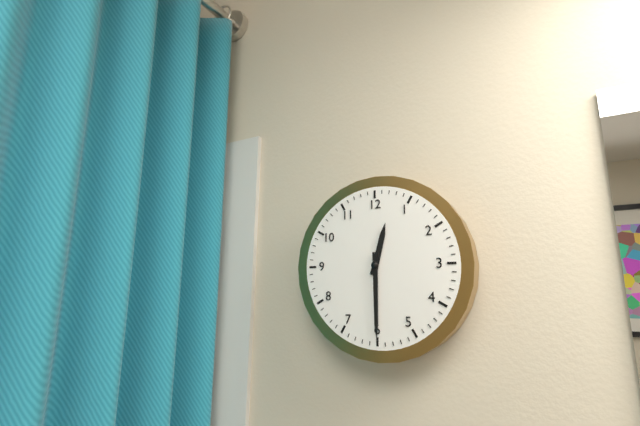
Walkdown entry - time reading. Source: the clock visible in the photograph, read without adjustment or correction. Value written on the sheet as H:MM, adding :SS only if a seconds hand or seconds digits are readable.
12:30
